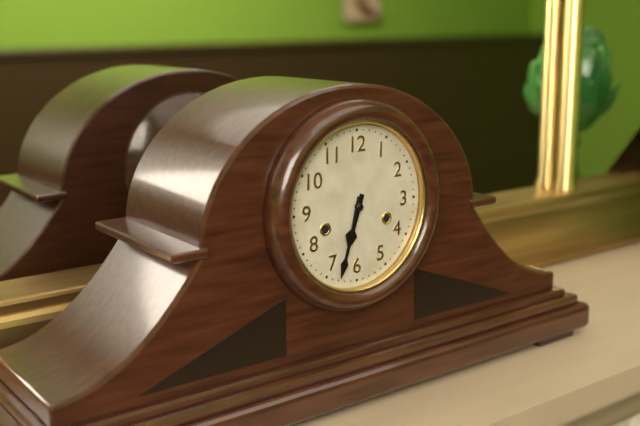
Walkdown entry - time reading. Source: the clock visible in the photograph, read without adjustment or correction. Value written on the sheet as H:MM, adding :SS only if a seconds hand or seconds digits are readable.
6:33
